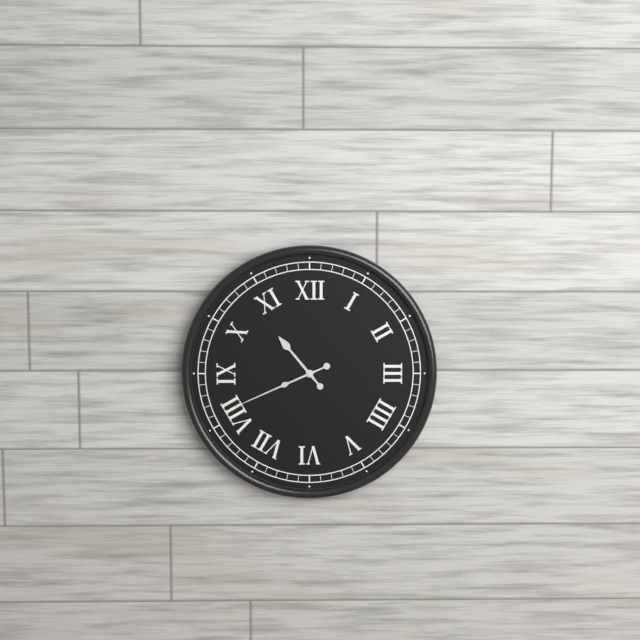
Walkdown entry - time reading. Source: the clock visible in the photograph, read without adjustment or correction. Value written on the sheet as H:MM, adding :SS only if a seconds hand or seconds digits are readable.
10:41:41
